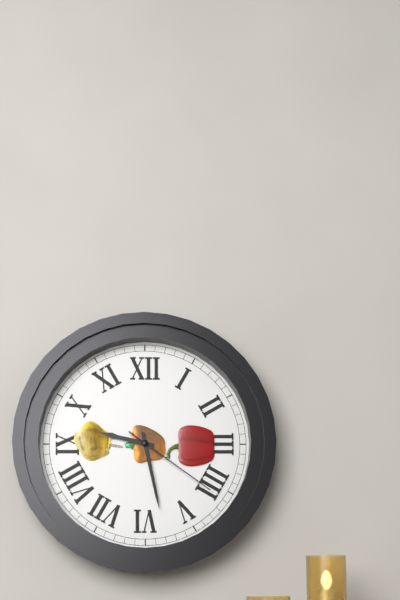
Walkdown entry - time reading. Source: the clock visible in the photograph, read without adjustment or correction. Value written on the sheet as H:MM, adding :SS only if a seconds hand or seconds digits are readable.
9:28:21
